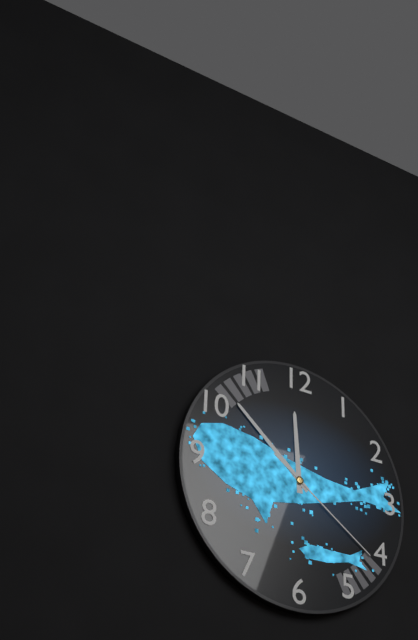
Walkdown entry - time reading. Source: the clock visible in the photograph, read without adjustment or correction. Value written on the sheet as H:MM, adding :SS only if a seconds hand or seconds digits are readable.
11:52:21
